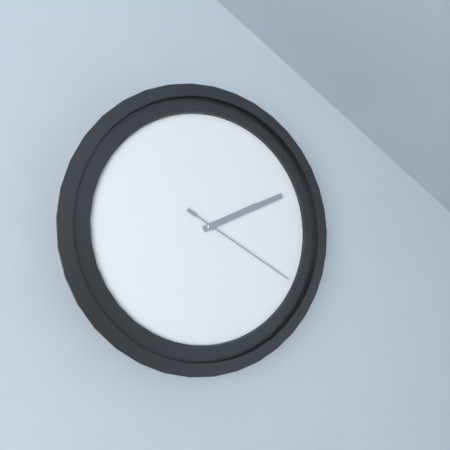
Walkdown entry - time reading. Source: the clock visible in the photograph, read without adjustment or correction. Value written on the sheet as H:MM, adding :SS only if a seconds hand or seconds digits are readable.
2:11:20
